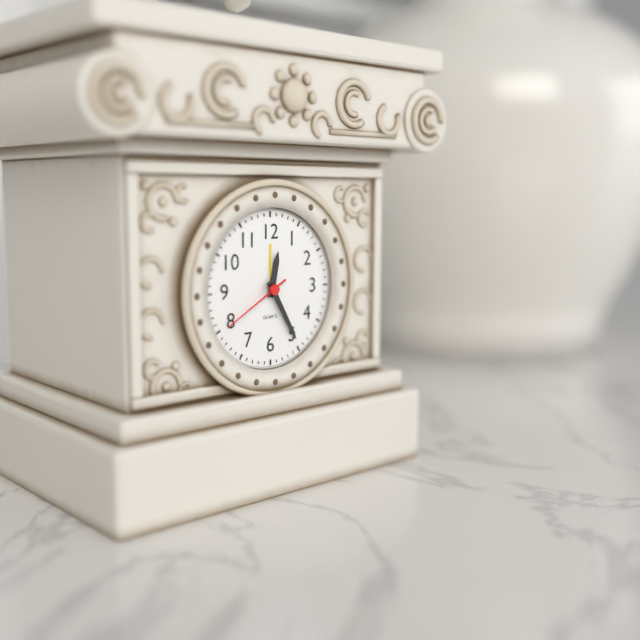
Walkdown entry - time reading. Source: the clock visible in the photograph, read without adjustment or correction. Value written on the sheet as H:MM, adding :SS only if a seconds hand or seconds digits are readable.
12:25:40
